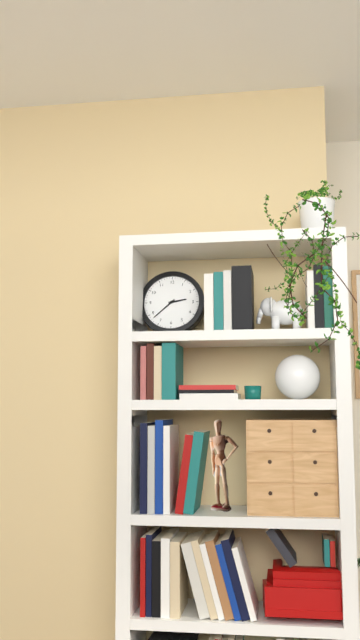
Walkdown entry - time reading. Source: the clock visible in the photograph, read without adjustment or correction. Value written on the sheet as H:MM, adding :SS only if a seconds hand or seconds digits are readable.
2:38
